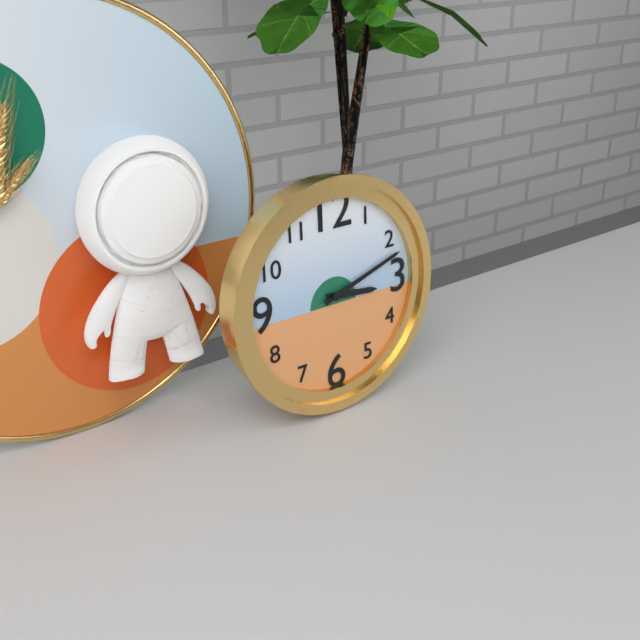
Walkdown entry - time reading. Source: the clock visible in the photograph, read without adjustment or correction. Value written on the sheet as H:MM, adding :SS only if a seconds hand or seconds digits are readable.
3:12
